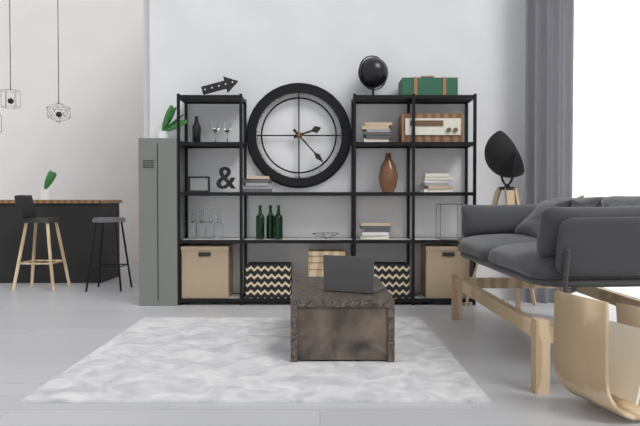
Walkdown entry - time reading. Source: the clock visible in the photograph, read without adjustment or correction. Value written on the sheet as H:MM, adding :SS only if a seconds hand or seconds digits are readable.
2:23
